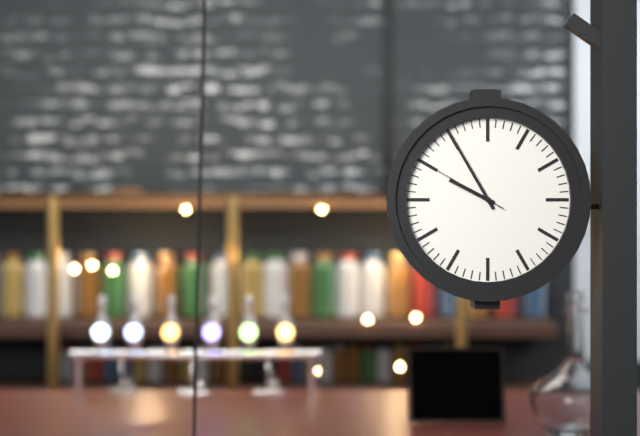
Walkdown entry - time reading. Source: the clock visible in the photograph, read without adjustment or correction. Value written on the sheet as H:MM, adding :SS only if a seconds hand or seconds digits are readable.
9:55:50
